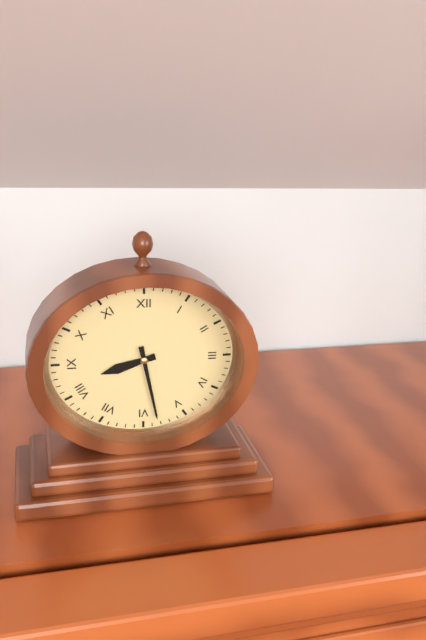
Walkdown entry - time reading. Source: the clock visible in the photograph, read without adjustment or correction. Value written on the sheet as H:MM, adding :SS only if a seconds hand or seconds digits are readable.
8:28
